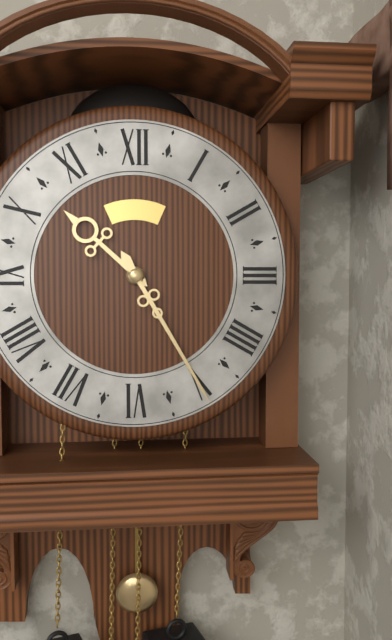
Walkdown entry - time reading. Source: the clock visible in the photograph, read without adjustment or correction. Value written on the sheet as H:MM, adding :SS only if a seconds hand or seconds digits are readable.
10:25
